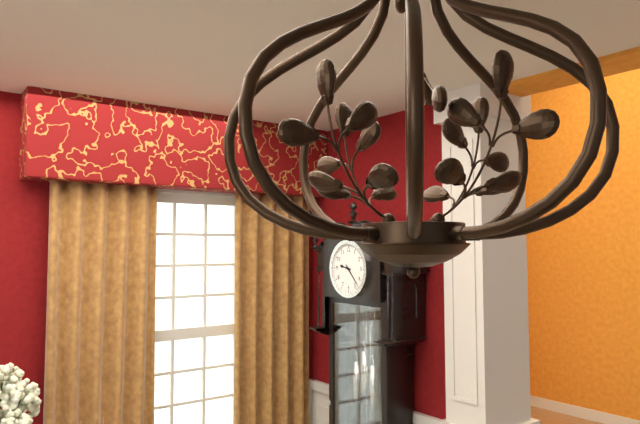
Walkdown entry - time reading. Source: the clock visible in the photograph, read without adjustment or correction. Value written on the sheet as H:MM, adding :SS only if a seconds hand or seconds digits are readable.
9:23
